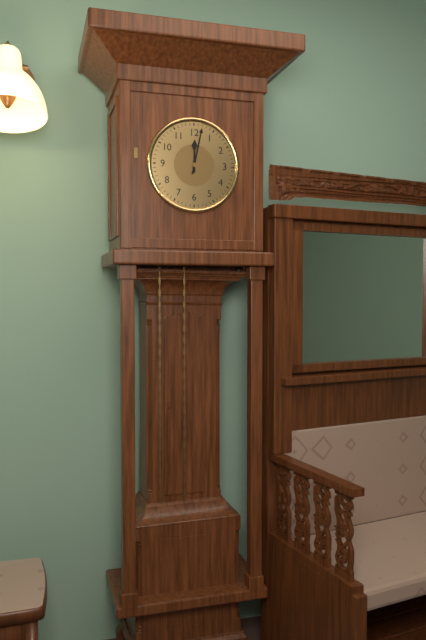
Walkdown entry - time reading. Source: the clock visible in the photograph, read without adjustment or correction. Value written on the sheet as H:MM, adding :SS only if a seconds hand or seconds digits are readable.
12:02
